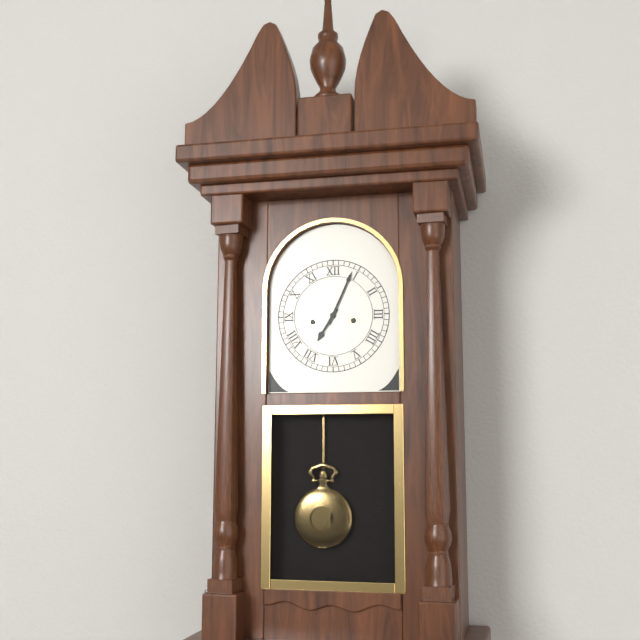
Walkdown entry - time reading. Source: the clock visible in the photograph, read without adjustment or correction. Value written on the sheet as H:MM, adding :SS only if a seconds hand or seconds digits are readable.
7:04
